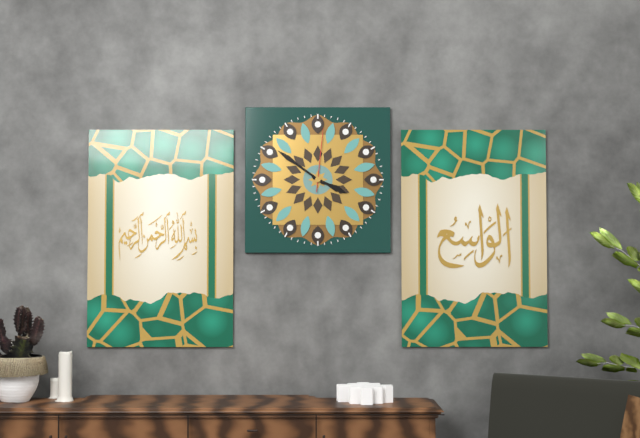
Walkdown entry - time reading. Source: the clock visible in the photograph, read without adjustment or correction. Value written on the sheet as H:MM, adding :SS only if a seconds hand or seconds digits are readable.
3:51:01
